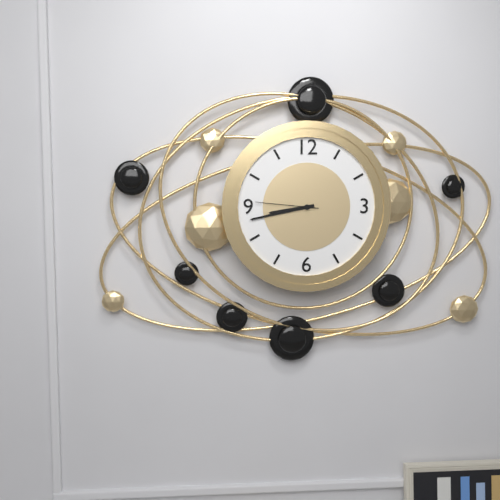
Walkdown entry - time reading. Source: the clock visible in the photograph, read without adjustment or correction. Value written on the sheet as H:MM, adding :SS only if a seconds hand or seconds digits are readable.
8:43:46
